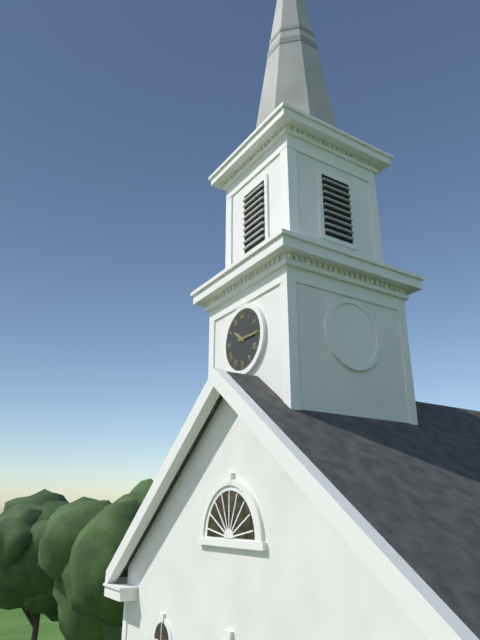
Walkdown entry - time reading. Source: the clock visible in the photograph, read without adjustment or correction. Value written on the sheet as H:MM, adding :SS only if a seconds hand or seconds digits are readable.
10:15
